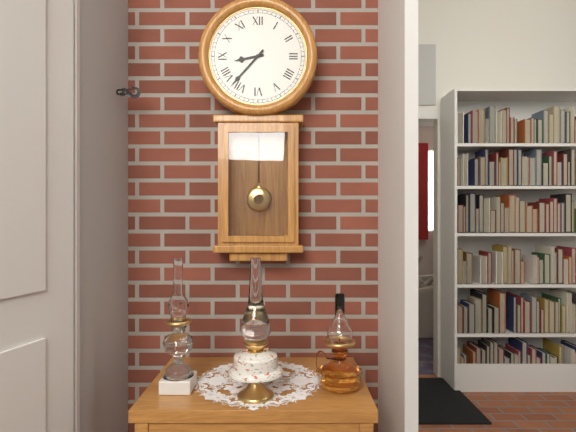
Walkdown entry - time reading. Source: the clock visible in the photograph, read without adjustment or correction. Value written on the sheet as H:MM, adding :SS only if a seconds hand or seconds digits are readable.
8:37
